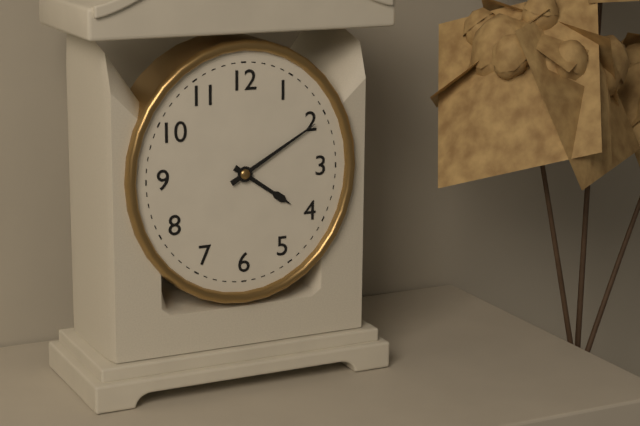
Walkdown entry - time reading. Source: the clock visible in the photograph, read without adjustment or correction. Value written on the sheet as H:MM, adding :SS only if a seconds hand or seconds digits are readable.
4:10
